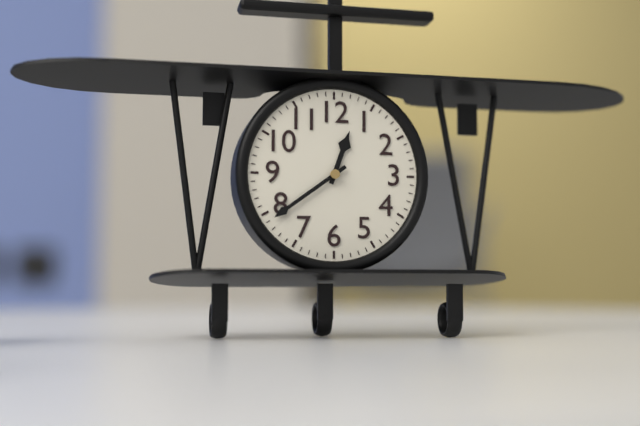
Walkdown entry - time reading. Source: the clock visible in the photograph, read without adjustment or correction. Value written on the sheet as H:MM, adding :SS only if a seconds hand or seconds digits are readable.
12:39
